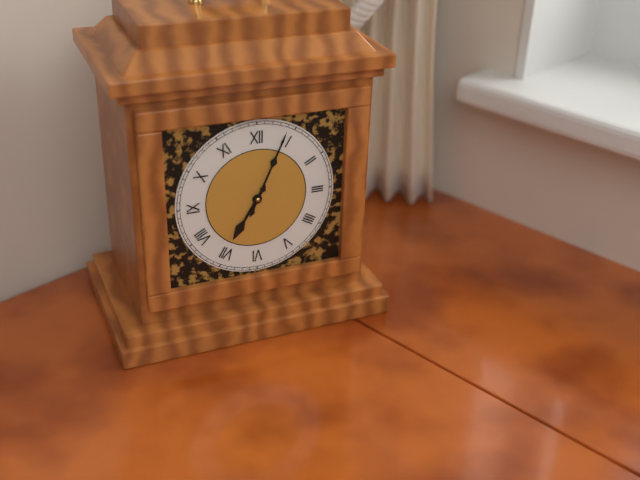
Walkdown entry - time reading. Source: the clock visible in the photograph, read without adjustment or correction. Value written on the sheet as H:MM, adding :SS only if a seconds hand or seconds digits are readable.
7:04
